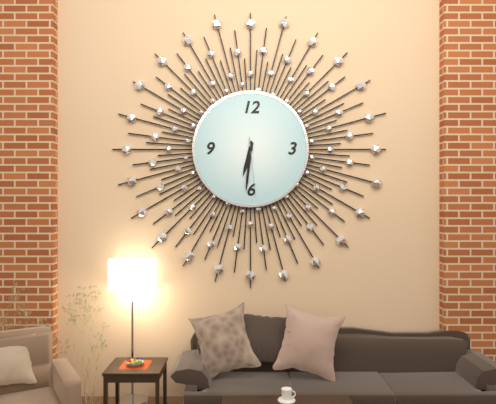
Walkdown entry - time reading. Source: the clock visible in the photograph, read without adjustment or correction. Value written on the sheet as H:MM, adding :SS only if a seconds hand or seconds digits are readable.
6:31:29
